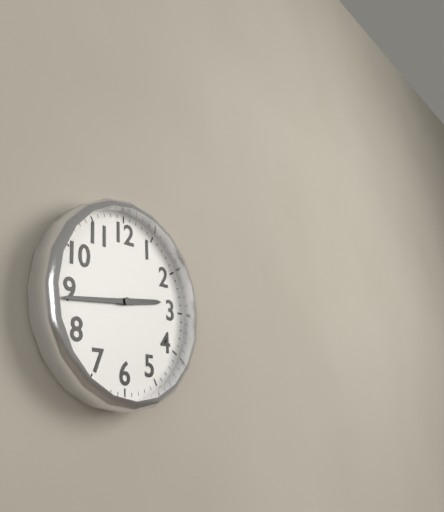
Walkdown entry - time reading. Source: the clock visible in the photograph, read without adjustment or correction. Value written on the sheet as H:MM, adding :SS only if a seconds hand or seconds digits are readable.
2:44
